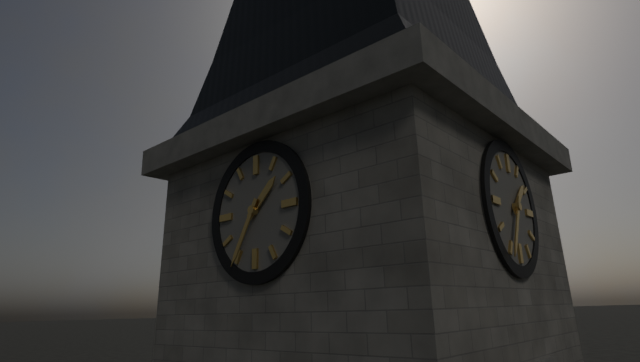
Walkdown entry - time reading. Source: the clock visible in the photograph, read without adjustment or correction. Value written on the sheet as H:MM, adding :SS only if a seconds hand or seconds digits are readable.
1:35
